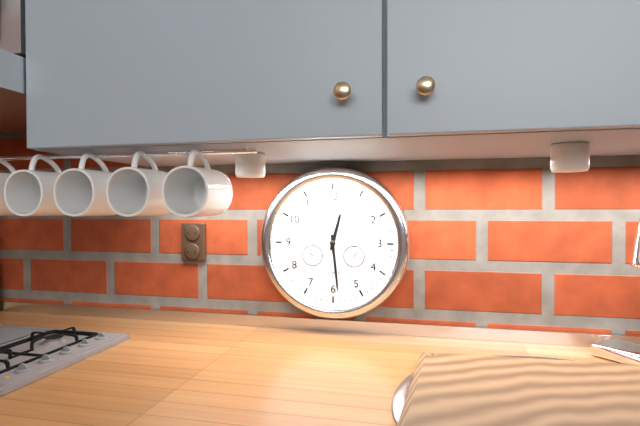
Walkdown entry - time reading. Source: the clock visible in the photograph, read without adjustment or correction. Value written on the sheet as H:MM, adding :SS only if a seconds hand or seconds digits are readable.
12:29
